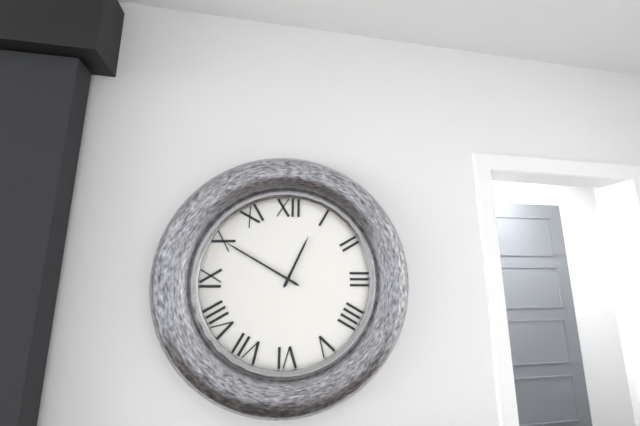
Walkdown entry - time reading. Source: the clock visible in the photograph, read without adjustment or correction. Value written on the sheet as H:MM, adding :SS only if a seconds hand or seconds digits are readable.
12:50
